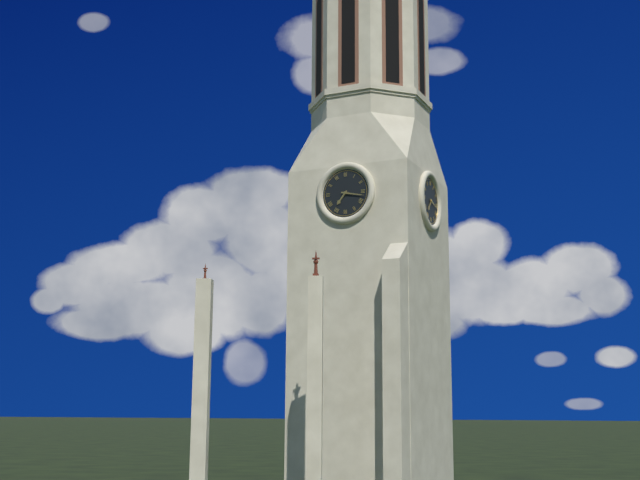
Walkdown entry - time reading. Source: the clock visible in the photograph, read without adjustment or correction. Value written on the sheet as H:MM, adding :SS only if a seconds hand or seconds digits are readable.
7:17
